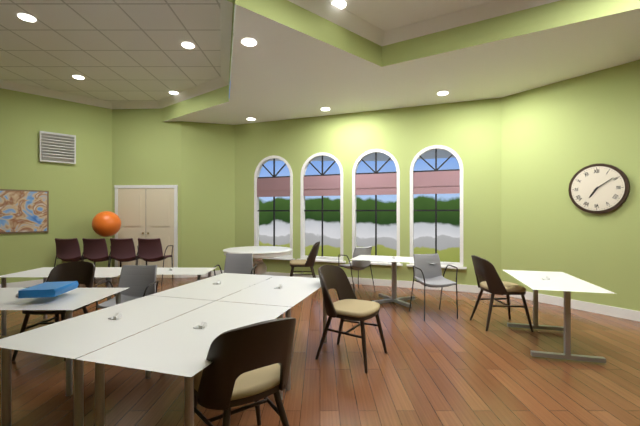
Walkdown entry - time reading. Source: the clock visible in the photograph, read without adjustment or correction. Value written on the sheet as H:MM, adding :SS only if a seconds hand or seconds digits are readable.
7:09
